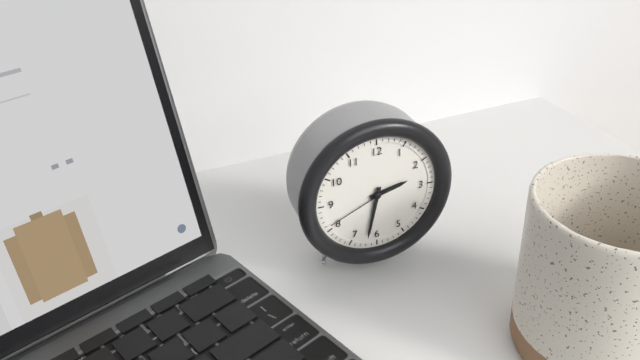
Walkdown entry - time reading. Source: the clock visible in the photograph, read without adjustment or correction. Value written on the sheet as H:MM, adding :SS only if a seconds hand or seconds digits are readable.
2:32:41
